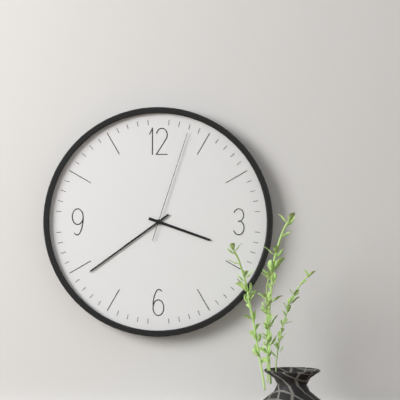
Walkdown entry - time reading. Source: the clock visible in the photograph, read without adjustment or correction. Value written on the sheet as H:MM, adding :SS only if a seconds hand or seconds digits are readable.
3:39:03
